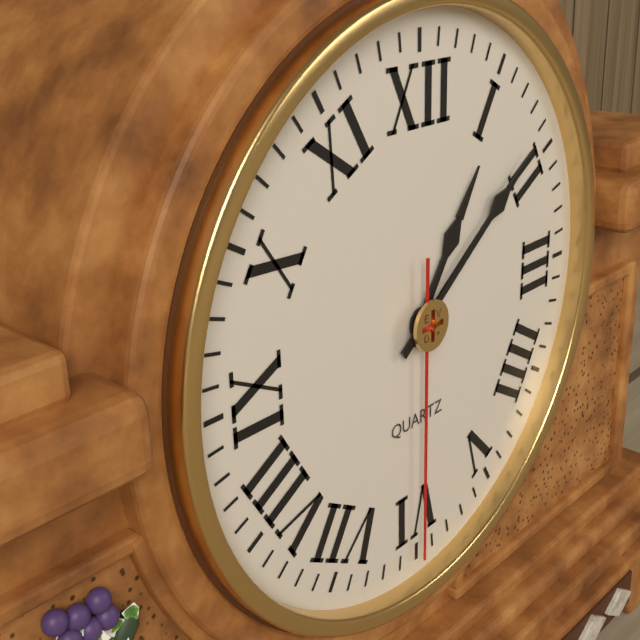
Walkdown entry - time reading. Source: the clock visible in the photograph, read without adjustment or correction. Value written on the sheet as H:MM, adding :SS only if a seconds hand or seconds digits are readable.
1:09:30
